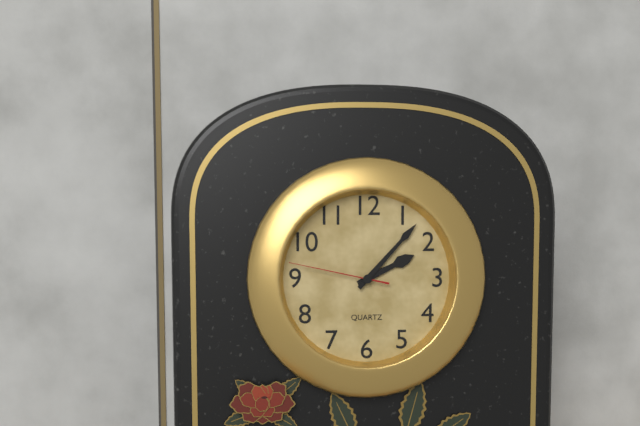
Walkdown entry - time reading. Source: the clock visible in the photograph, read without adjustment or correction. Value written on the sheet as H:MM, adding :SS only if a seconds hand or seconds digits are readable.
2:07:47
